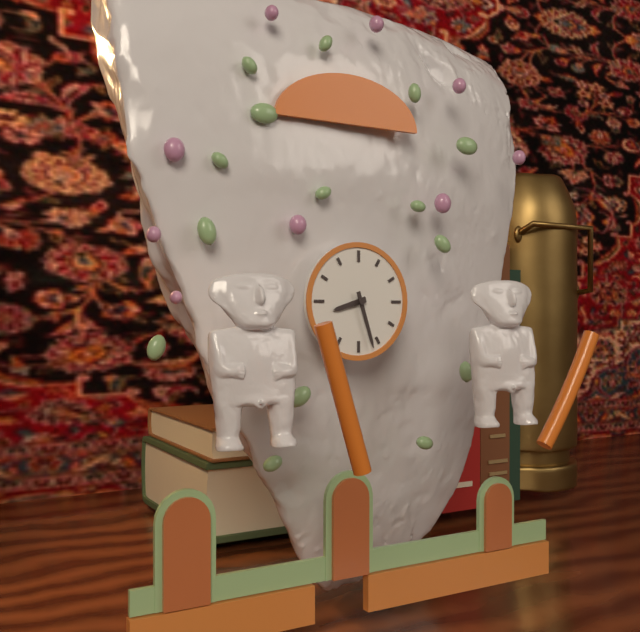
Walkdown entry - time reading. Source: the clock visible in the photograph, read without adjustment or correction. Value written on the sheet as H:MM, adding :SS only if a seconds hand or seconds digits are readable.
8:27
